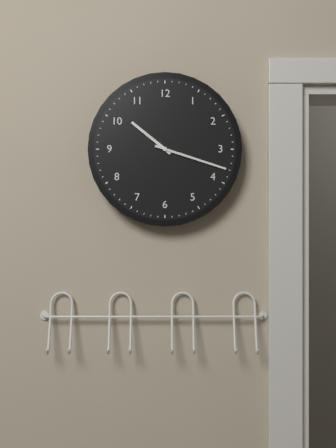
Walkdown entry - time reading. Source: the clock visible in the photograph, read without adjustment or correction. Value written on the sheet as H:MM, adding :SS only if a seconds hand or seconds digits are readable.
10:18
